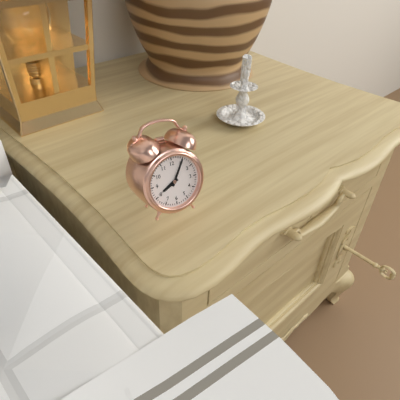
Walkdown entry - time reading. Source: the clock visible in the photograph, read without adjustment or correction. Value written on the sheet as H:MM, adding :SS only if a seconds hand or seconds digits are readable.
8:05
